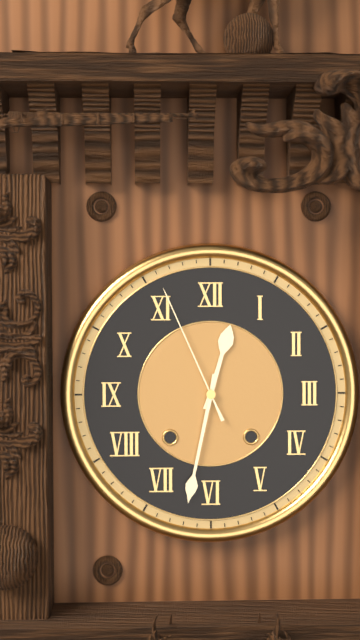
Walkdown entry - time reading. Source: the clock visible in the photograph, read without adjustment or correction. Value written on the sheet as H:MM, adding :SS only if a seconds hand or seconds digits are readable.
12:32:56
